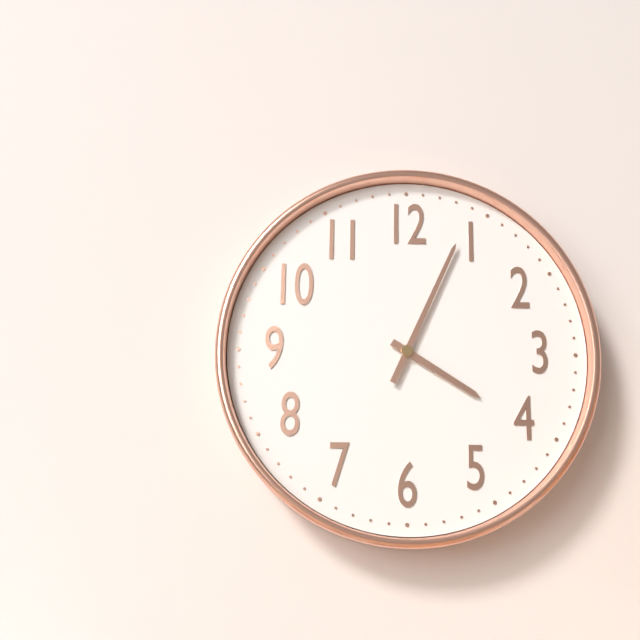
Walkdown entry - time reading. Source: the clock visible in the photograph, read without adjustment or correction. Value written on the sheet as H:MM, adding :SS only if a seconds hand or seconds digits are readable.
4:04
